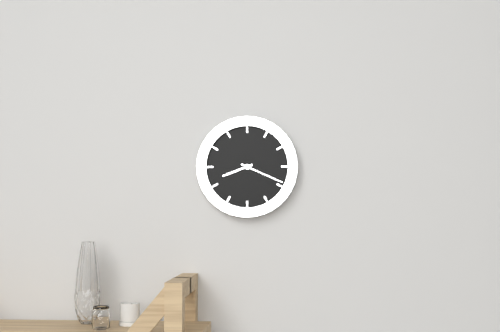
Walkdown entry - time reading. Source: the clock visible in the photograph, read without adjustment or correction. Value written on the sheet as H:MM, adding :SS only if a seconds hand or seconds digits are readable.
8:19
